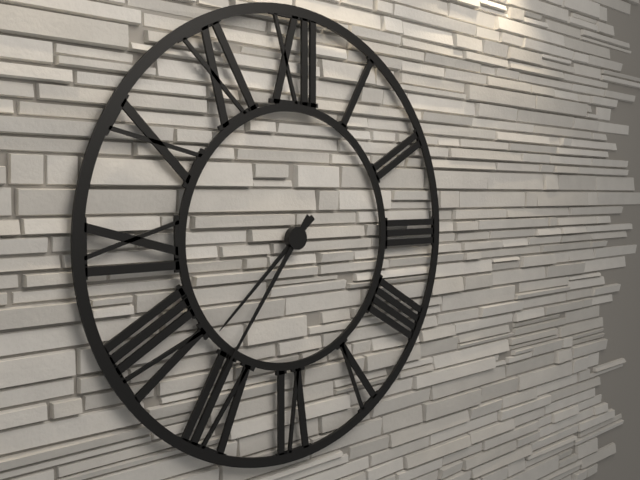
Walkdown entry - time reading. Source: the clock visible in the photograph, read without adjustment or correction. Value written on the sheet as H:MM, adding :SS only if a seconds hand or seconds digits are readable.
7:36
